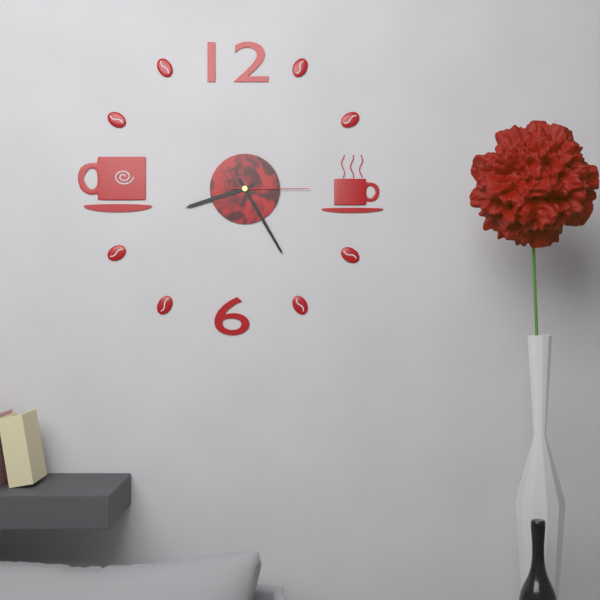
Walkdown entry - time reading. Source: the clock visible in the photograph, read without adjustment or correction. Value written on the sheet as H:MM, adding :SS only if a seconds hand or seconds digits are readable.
8:25:15
